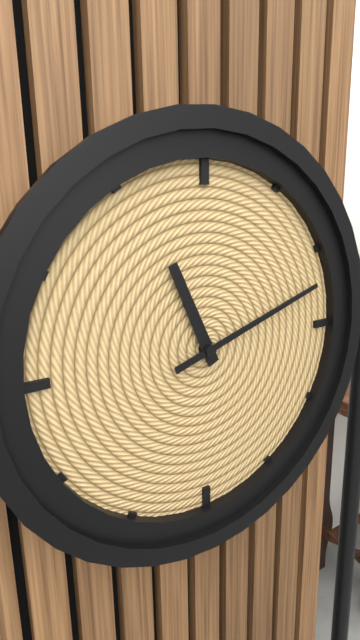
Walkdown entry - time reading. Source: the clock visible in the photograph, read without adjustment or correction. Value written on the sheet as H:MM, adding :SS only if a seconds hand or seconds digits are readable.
11:12
